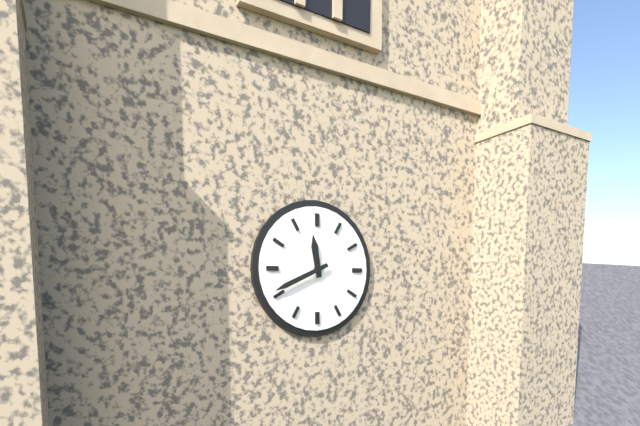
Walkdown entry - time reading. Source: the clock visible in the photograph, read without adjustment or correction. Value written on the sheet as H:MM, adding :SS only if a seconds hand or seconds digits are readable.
11:41
